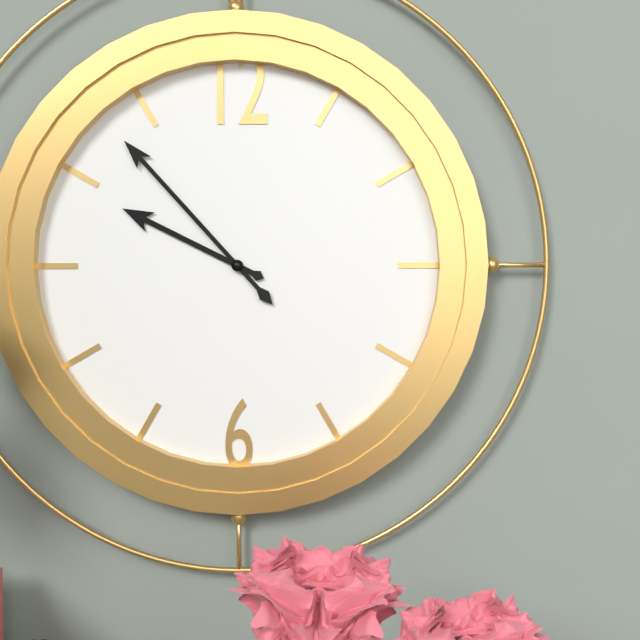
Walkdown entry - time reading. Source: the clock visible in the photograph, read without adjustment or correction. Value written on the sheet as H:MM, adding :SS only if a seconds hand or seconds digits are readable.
9:53
